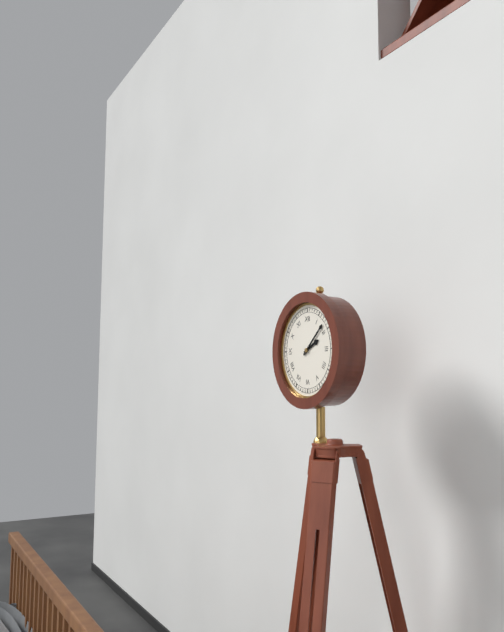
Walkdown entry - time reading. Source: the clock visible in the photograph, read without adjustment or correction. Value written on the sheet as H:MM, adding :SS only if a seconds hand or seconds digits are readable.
2:08
